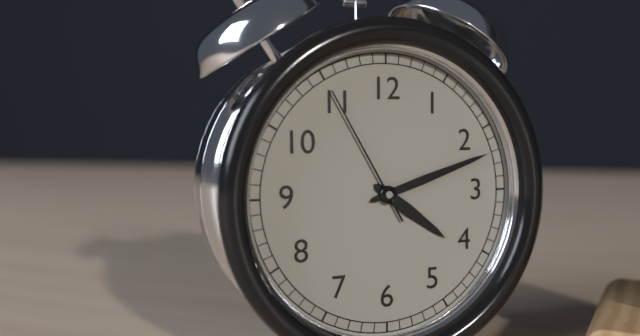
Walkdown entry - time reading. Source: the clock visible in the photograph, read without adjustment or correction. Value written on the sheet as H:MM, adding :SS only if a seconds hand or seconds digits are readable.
4:12:55
